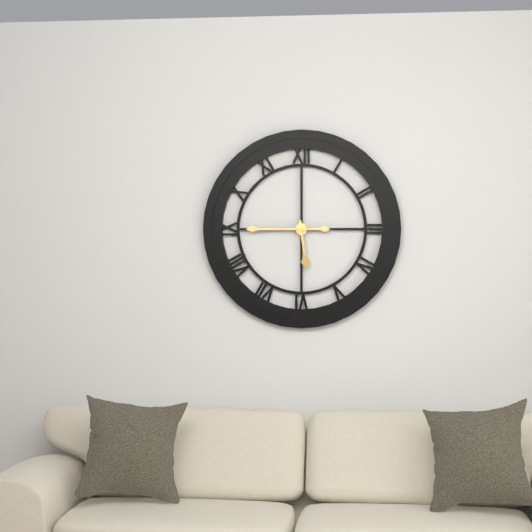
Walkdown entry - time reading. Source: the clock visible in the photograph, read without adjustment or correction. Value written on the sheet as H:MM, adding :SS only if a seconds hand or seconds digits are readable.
5:45
